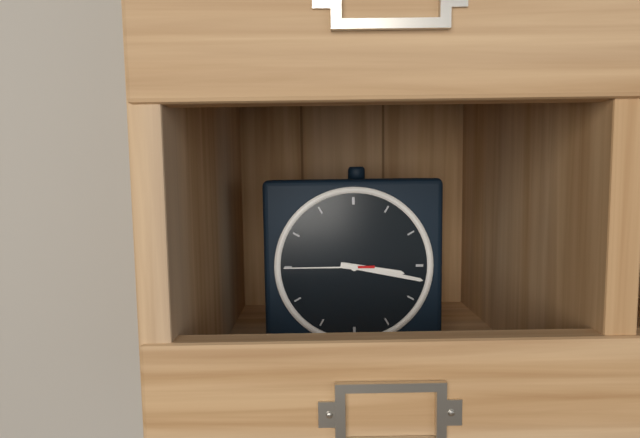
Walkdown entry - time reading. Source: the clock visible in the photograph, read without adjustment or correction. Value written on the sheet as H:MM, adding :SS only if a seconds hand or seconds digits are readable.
3:17:45
